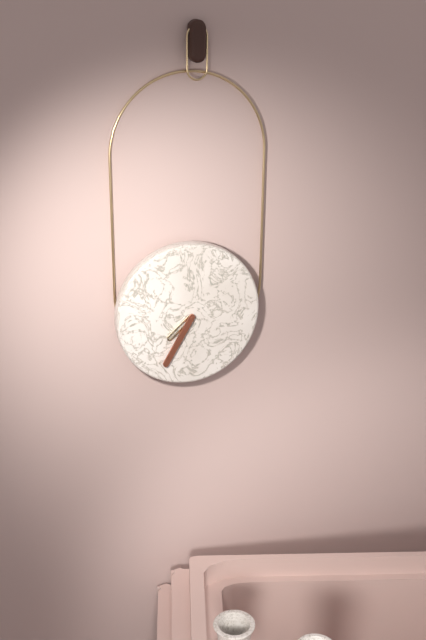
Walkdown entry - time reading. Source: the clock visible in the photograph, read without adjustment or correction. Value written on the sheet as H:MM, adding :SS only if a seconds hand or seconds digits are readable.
7:35
